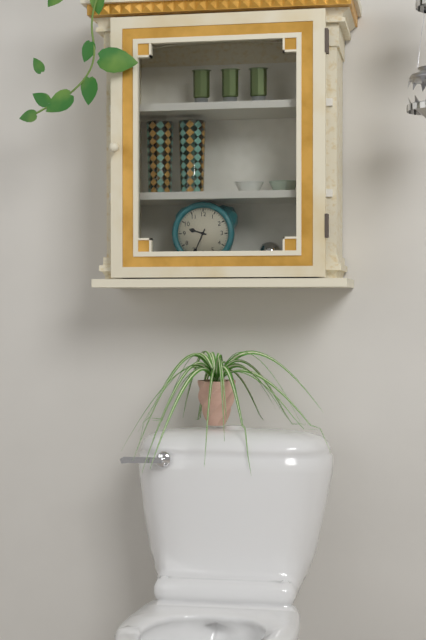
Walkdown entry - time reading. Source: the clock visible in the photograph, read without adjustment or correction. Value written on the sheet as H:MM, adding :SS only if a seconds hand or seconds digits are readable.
9:34
